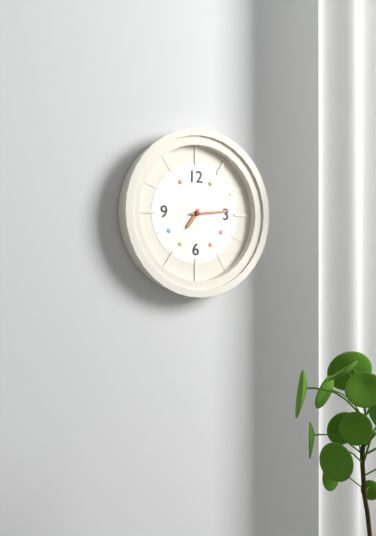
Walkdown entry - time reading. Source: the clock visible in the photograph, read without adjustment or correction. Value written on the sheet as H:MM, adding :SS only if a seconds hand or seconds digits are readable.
7:14
